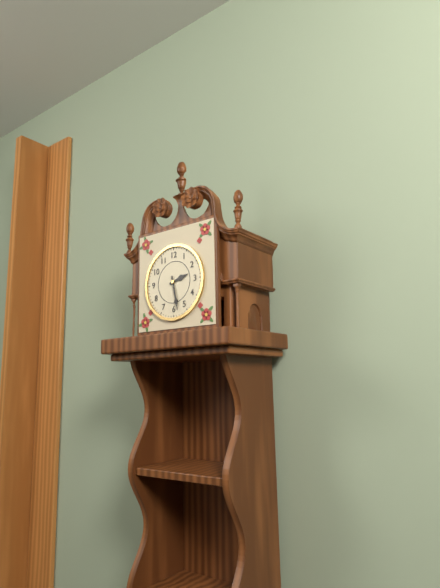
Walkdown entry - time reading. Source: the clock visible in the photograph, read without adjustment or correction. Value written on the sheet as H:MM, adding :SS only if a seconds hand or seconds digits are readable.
2:28
